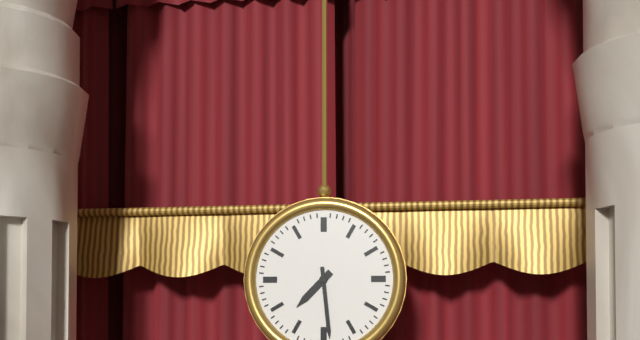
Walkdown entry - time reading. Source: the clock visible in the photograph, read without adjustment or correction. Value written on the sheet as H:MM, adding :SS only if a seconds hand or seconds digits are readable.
7:29
